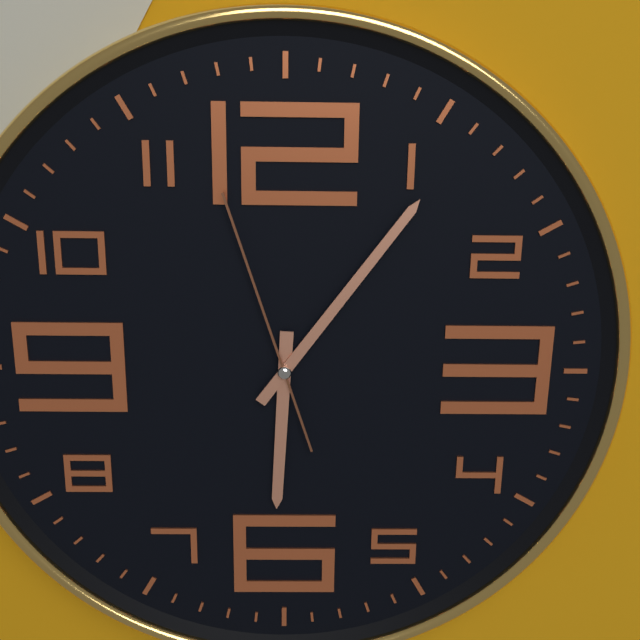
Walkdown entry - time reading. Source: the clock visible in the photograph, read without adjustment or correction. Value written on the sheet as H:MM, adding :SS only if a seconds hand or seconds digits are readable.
6:06:57
